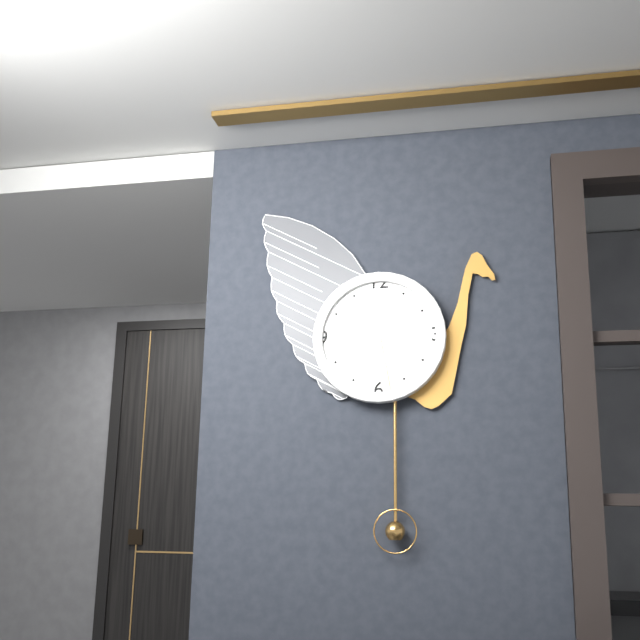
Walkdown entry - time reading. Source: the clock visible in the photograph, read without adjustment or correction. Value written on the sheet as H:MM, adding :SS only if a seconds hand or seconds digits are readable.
9:28
